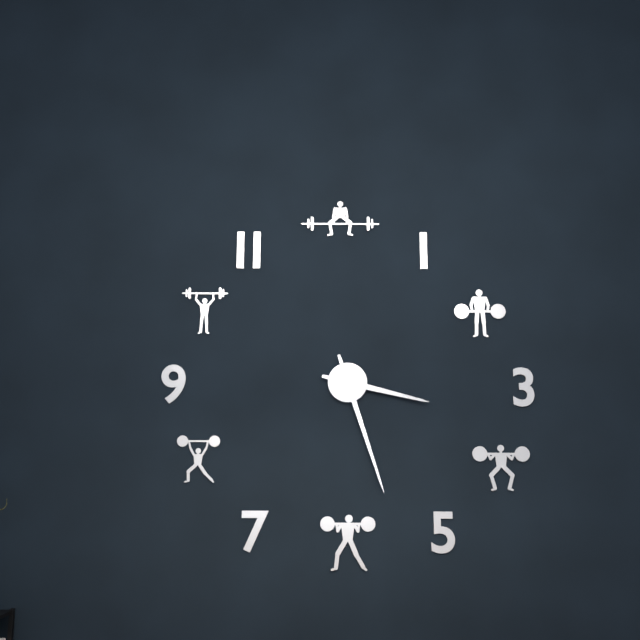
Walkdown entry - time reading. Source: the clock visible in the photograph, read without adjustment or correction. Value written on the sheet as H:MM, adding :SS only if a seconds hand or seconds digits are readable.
3:27
